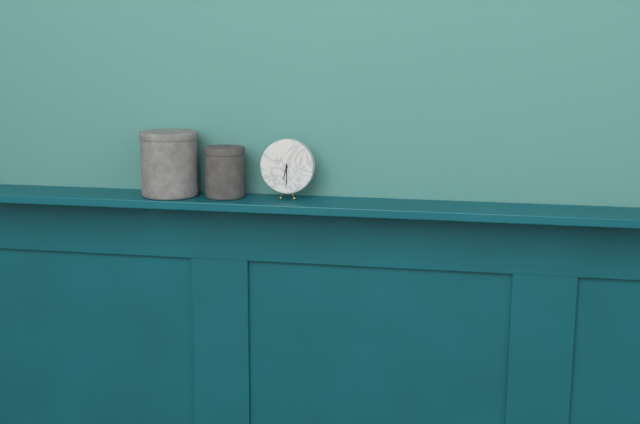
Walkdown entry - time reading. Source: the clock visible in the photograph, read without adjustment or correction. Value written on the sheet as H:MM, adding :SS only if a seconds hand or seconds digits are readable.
6:30
